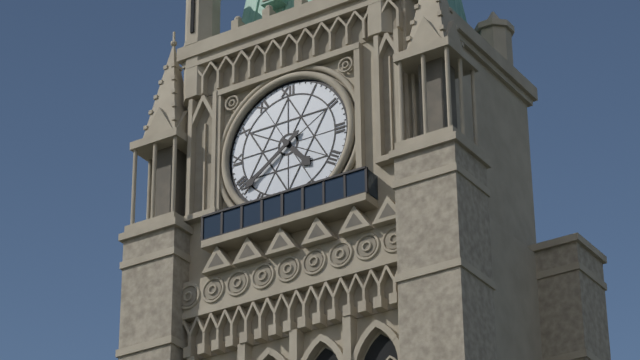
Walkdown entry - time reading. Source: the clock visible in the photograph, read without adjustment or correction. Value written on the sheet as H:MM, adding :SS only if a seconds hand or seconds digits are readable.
4:39
